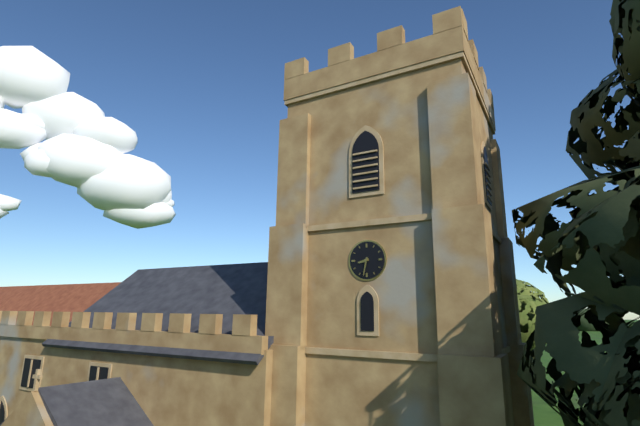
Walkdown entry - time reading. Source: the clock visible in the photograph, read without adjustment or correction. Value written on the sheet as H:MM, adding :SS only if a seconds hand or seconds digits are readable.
8:32
